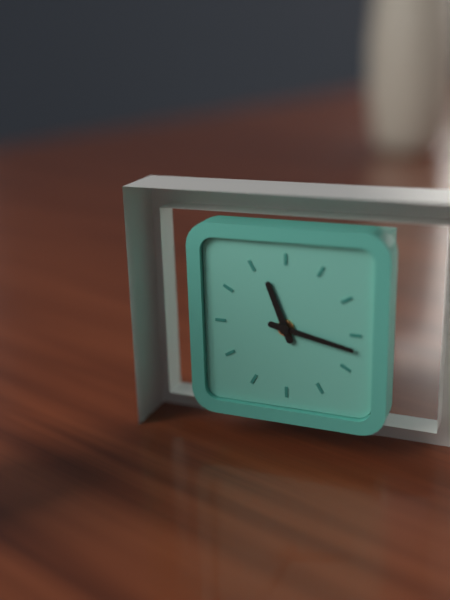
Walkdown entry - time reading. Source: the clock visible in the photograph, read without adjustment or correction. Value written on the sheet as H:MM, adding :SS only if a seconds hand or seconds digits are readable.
11:17
